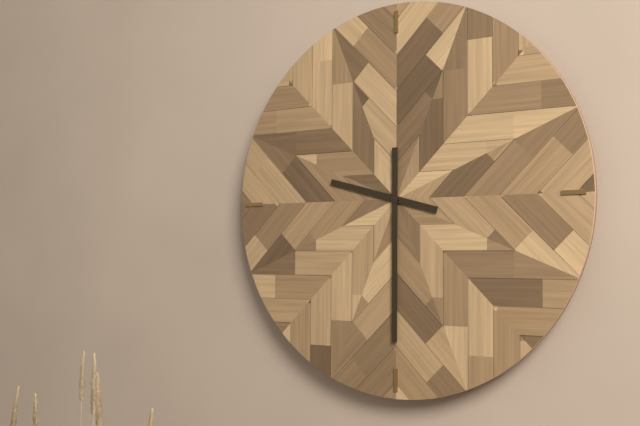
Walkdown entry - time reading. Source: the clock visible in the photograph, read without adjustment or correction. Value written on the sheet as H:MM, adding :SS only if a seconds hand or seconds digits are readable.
9:30
